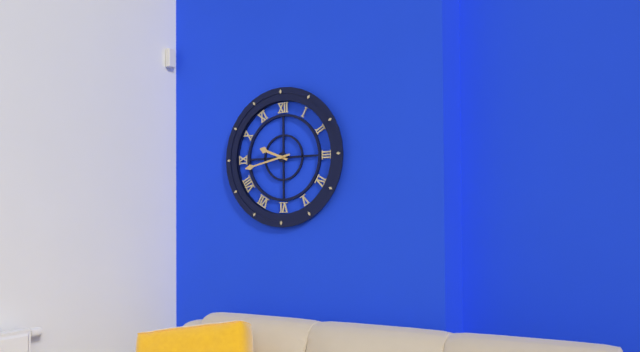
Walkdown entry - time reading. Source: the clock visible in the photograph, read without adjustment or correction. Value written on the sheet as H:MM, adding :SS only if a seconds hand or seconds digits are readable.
9:43
